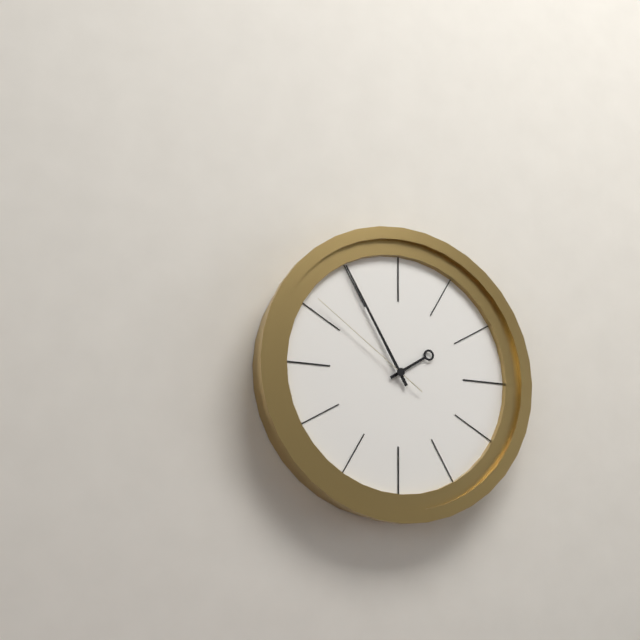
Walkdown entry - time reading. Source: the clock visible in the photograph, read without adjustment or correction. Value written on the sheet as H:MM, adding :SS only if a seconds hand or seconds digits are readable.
1:55:51
